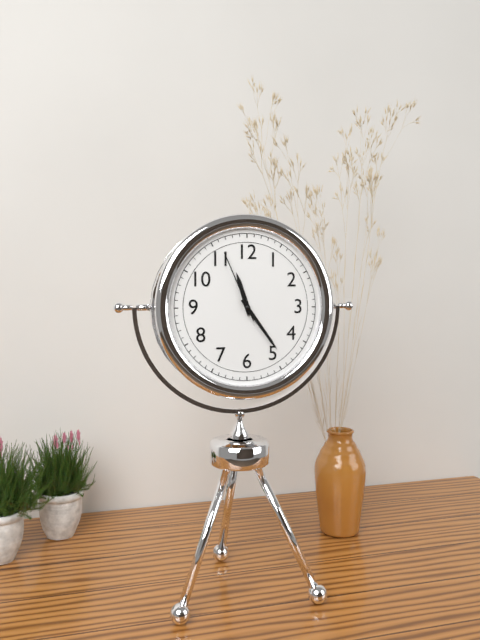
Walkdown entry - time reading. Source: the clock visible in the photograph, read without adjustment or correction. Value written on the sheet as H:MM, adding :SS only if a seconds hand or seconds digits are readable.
11:24:56
